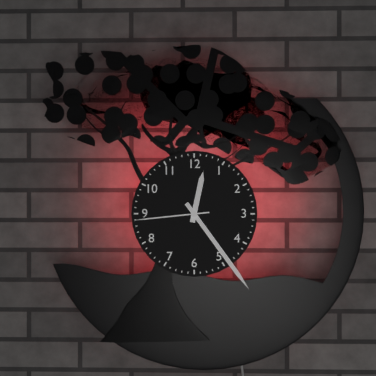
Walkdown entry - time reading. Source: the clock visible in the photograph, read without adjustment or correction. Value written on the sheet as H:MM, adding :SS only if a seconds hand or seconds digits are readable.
12:24:44
